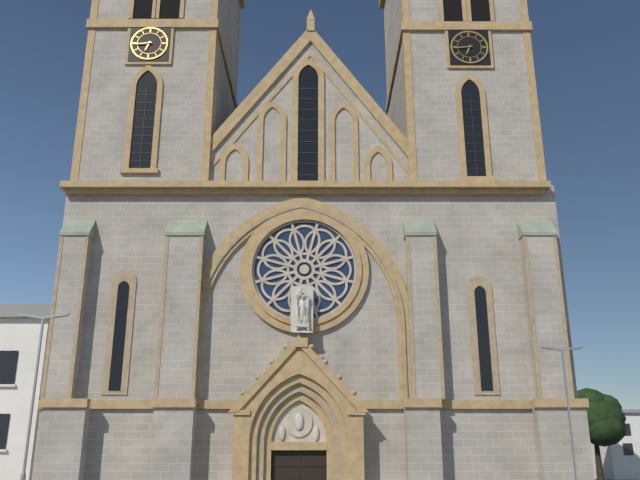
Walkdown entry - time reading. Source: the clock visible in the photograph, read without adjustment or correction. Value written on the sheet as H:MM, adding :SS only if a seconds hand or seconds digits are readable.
6:44
